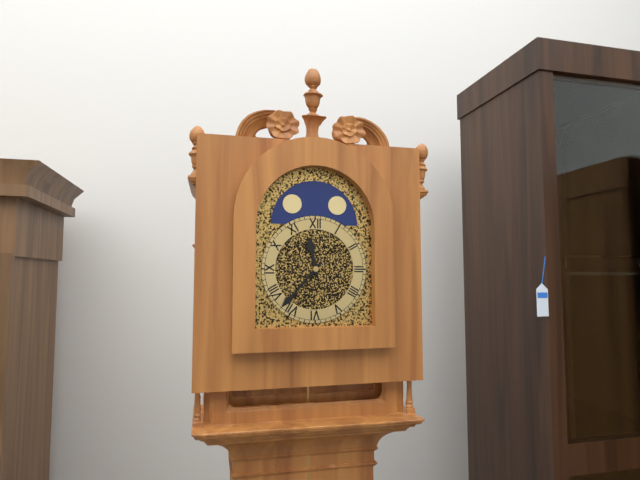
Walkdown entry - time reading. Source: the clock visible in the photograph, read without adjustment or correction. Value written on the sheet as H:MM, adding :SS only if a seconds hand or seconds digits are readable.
11:37
